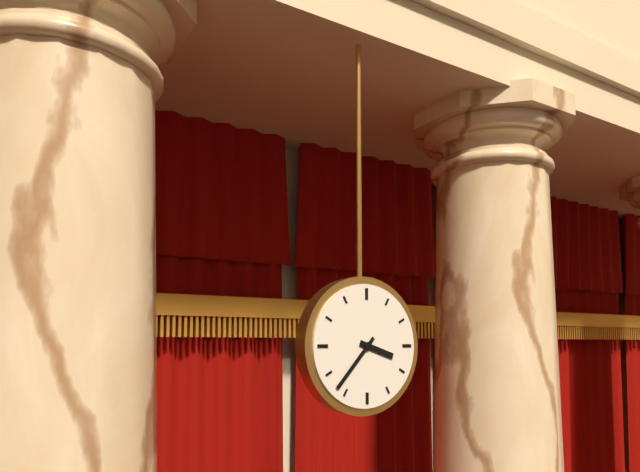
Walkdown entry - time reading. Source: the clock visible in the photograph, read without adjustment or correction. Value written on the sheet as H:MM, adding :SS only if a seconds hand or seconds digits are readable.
3:37
